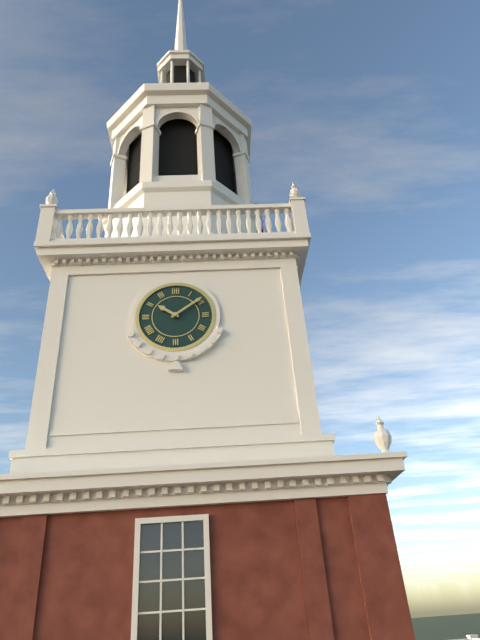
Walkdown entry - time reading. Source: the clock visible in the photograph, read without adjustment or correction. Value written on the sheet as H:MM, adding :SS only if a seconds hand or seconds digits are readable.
10:09
